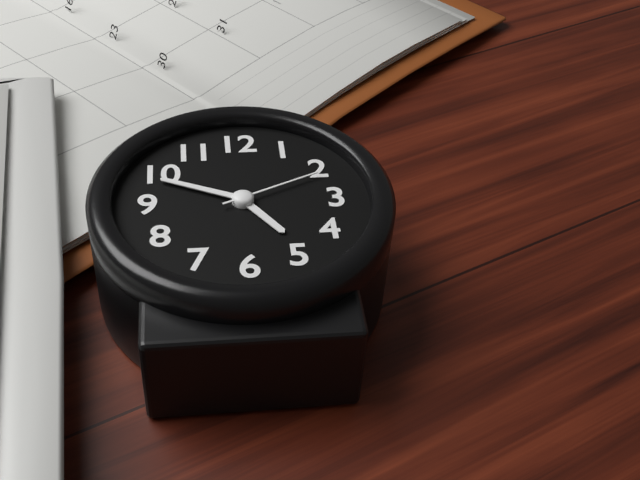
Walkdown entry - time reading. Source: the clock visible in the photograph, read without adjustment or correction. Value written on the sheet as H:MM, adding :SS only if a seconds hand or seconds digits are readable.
4:49:11
